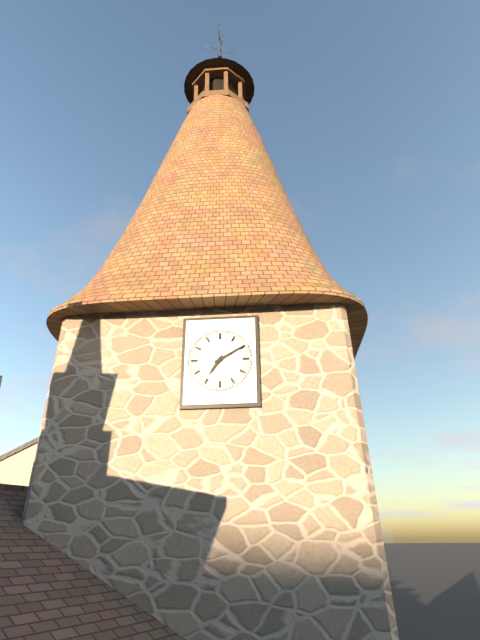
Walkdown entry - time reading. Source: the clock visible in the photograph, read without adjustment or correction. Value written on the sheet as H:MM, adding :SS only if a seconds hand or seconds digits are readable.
7:10
